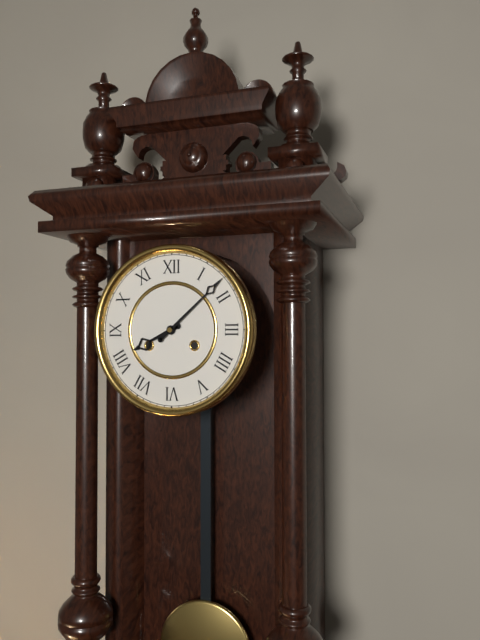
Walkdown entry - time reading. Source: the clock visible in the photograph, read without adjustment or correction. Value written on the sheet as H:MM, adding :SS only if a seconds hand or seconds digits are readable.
8:08
